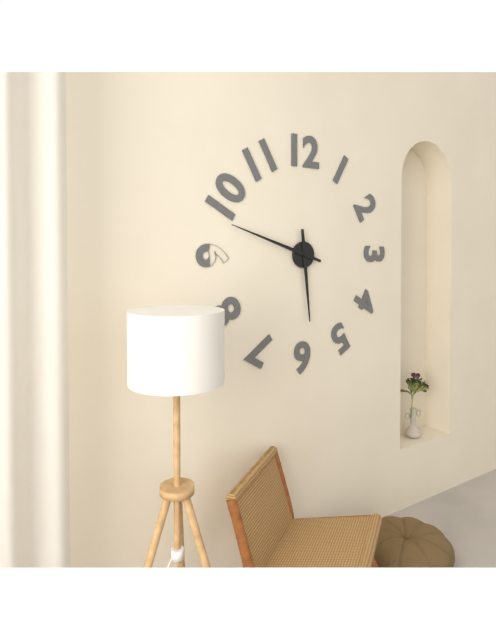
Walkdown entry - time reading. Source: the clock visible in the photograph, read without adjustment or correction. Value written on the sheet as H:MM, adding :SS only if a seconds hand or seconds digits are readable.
5:48
